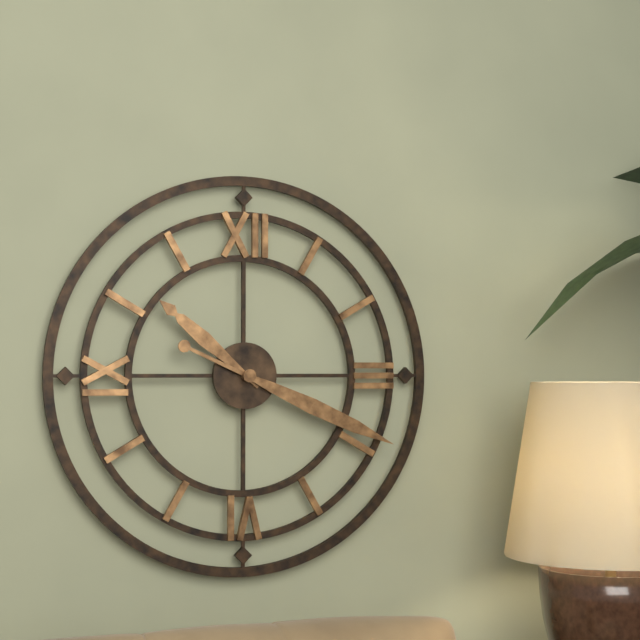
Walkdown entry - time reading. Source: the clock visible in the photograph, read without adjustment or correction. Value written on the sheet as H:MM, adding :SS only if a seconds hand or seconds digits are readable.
10:19
